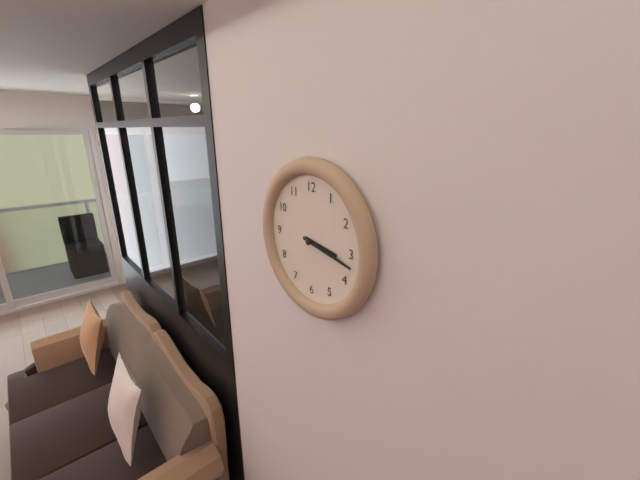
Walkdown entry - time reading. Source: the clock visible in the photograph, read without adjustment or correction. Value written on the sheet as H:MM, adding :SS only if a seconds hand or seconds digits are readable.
3:17
